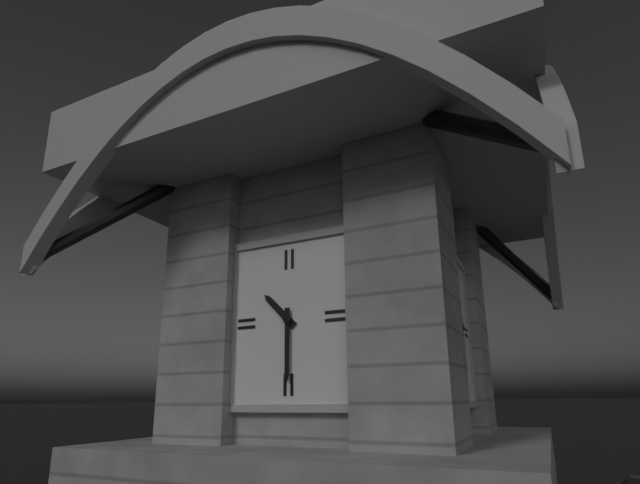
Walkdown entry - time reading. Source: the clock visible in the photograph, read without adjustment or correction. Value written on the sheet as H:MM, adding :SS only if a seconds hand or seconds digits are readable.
10:30
